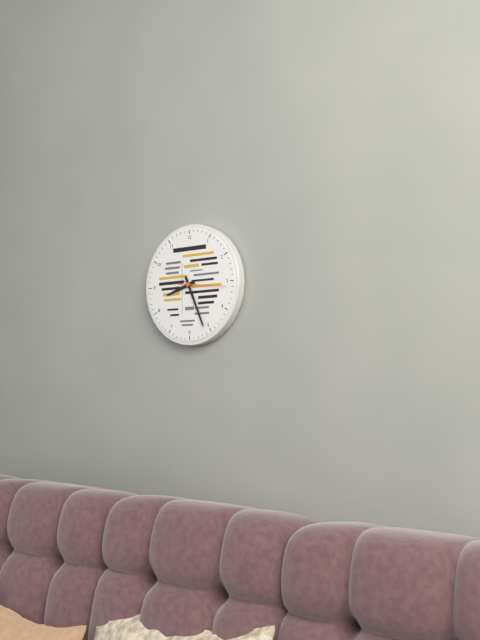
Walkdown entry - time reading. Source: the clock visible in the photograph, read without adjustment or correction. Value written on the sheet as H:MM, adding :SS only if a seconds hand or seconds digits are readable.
8:26
